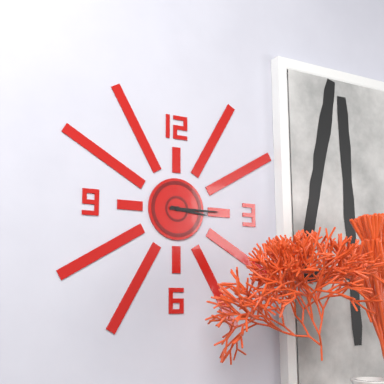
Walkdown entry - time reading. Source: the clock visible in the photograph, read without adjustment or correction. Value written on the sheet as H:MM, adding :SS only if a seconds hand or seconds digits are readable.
3:15
